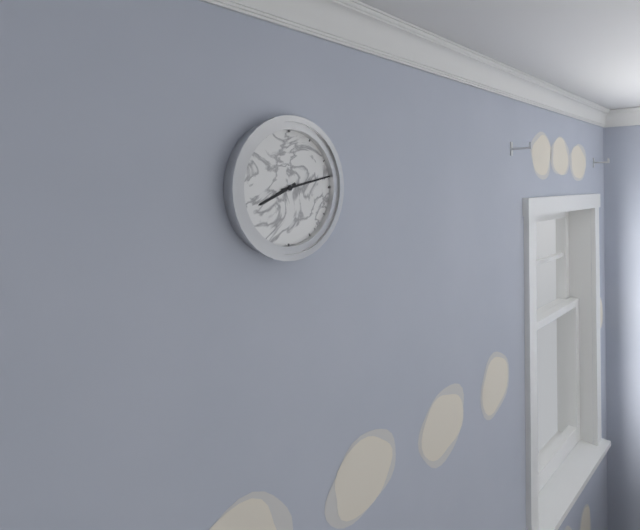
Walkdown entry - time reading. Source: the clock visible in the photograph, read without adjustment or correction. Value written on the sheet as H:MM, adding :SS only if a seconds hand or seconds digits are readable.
8:13
